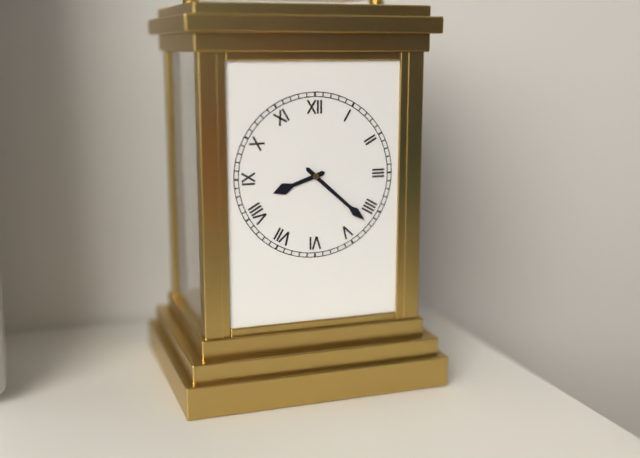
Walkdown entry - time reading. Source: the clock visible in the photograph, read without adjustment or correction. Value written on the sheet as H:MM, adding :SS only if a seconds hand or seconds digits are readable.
8:22
